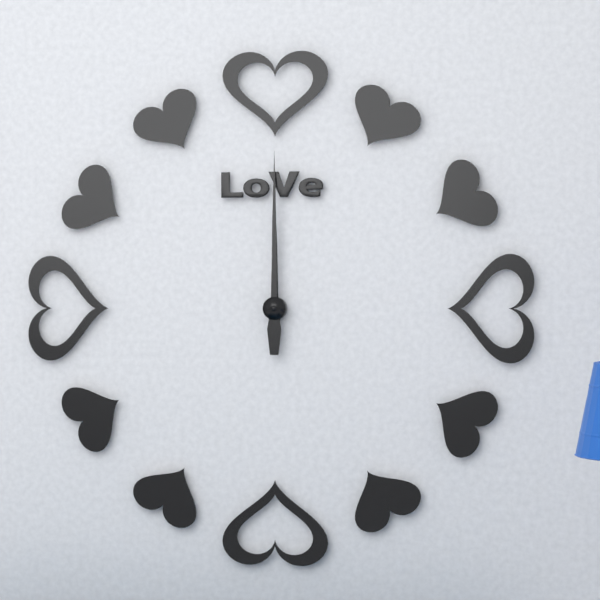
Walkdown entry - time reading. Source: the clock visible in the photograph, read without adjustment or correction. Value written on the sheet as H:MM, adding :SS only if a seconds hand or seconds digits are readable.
12:00
